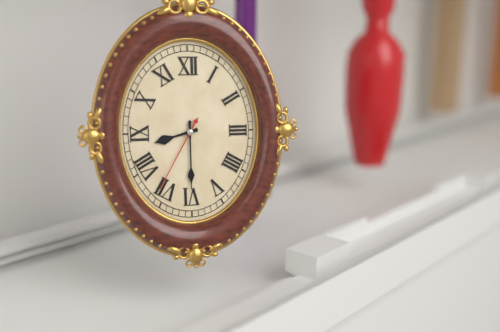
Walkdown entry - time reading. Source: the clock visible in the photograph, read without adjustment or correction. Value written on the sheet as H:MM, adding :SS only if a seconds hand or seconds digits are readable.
8:30:35
